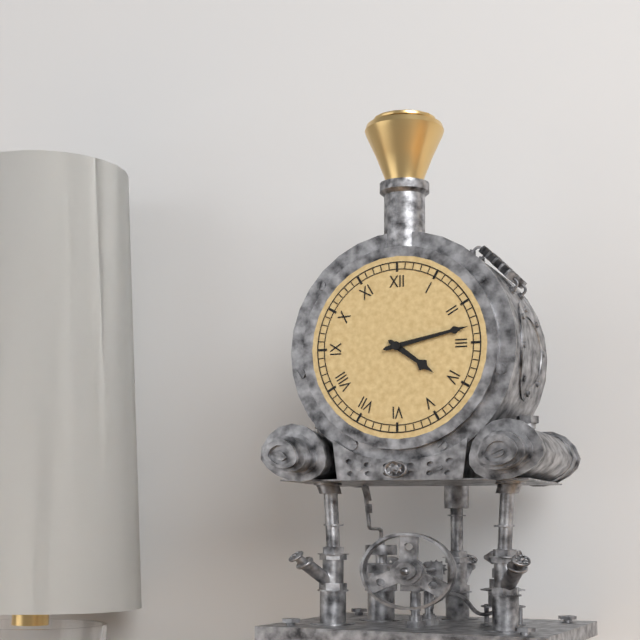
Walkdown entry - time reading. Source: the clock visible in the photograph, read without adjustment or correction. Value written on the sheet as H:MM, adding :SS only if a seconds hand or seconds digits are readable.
4:13
